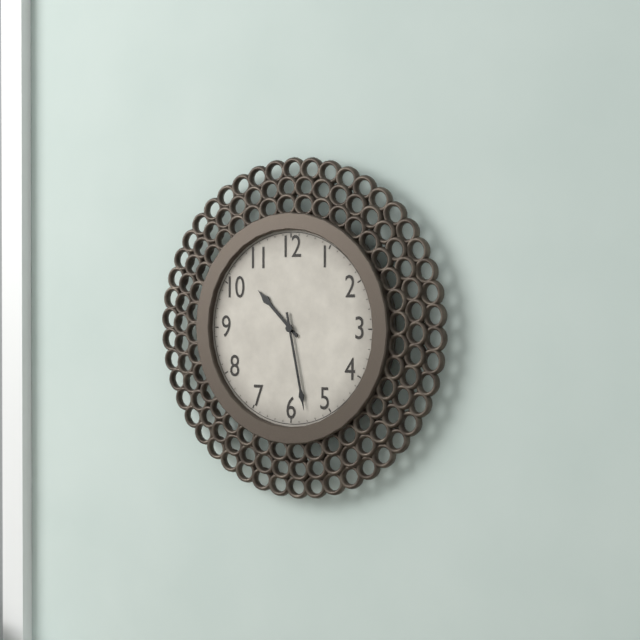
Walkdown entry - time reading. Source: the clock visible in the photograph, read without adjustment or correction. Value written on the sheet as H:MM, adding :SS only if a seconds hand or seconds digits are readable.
10:28
